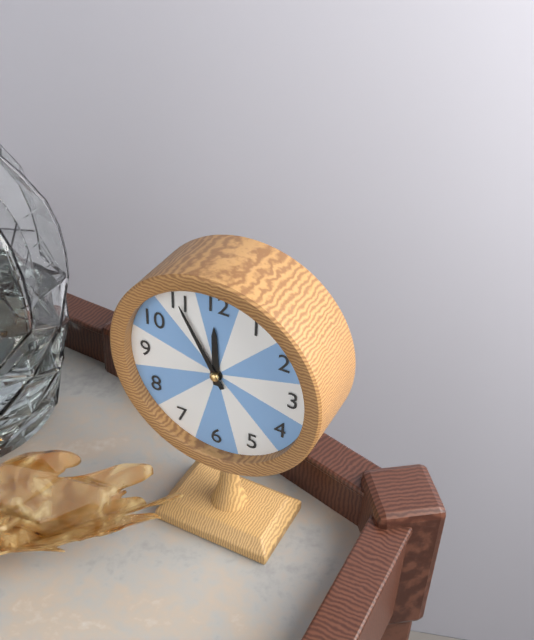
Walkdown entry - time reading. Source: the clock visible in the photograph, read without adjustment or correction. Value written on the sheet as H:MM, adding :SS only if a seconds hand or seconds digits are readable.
11:55
